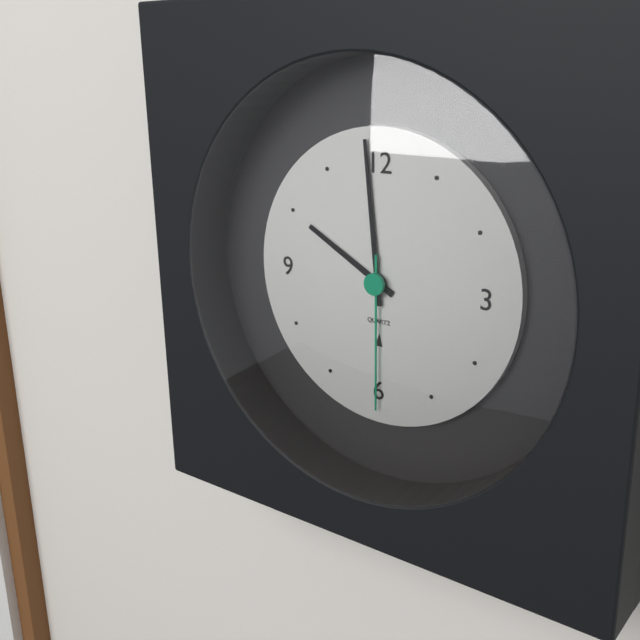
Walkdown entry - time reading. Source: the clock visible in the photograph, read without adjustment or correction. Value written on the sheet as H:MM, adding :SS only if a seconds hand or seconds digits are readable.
9:59:30
